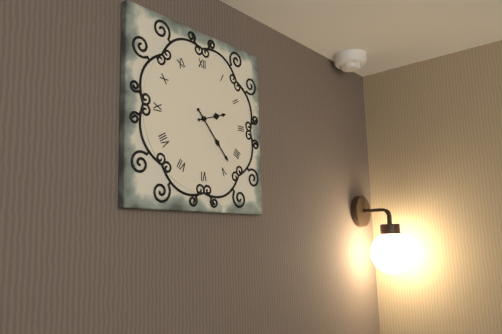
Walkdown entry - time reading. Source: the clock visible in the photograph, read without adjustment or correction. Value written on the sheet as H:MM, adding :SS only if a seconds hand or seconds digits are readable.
2:23
